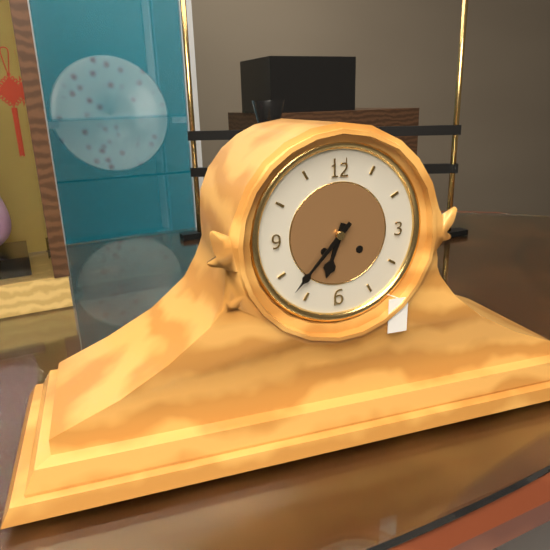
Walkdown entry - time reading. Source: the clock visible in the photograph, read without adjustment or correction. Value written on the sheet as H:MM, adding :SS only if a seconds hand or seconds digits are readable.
6:37
